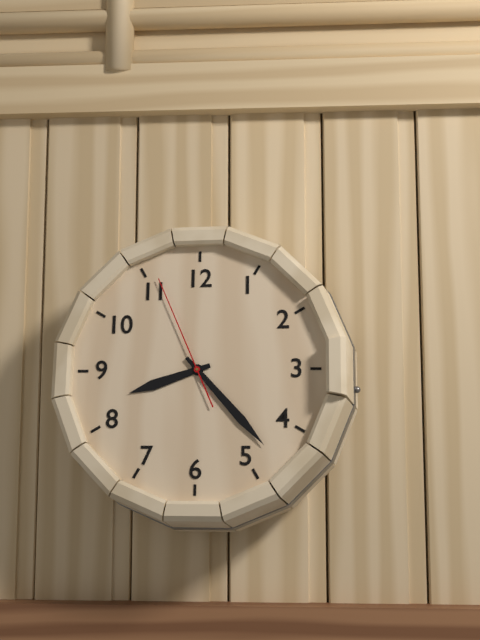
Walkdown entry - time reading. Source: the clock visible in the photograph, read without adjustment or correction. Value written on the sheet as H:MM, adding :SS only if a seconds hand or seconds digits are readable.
8:23:56
